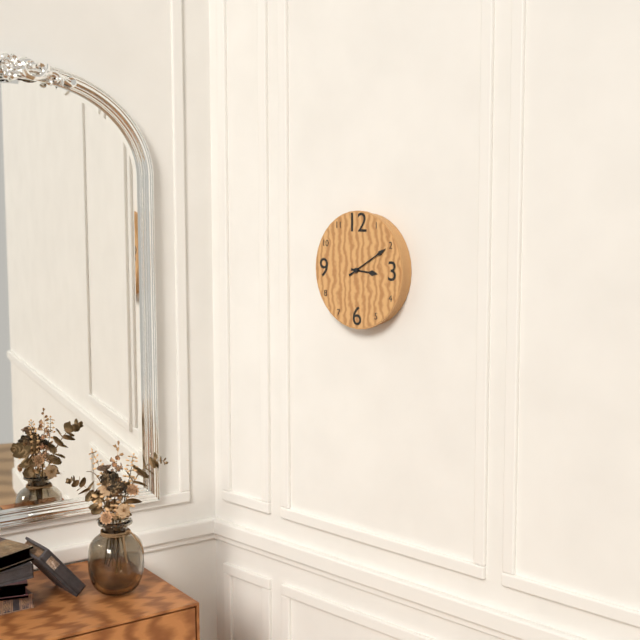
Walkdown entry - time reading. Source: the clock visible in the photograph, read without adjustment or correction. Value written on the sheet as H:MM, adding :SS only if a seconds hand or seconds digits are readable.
3:10
